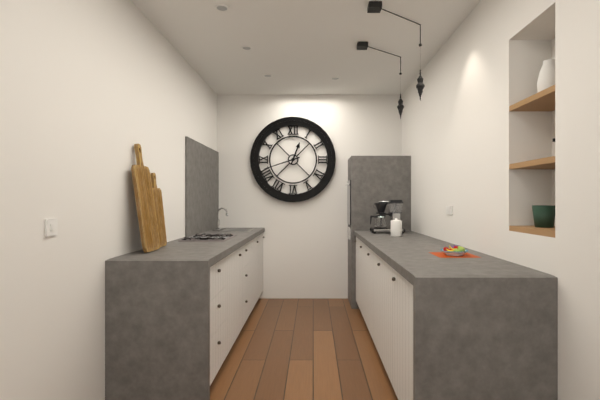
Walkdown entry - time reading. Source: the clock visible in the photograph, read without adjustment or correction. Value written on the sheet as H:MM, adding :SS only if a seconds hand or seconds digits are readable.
12:42
